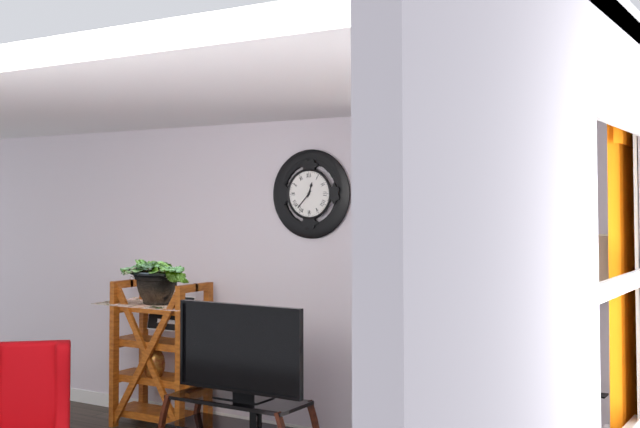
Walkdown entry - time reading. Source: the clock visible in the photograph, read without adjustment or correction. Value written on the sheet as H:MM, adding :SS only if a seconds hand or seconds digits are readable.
12:37
